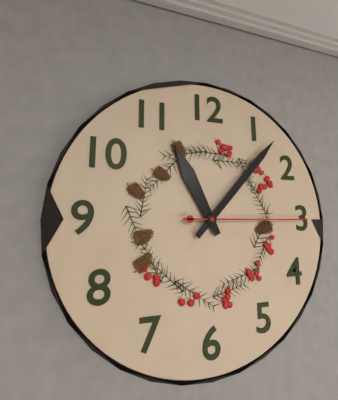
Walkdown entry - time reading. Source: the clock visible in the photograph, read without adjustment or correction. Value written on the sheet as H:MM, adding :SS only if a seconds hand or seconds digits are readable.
11:07:15
